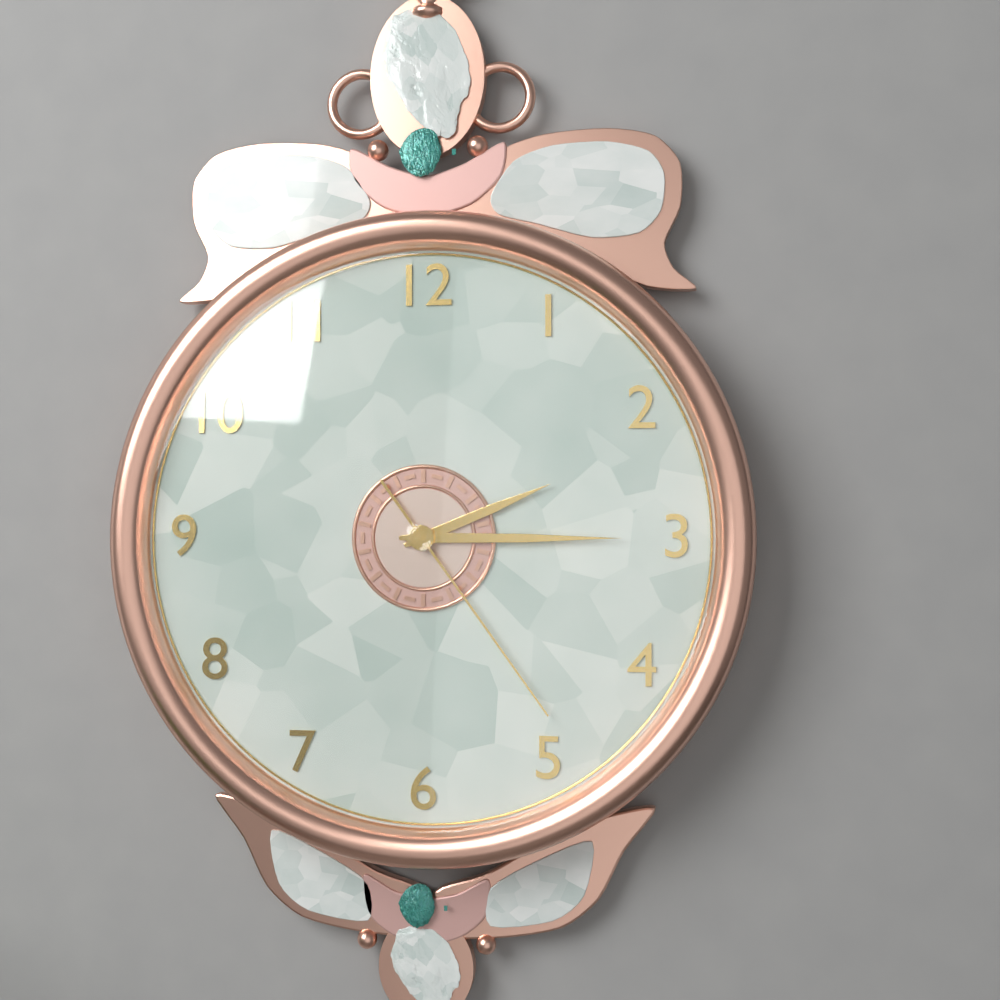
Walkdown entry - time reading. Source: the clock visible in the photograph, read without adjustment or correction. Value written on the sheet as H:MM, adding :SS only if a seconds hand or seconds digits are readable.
2:15:24
